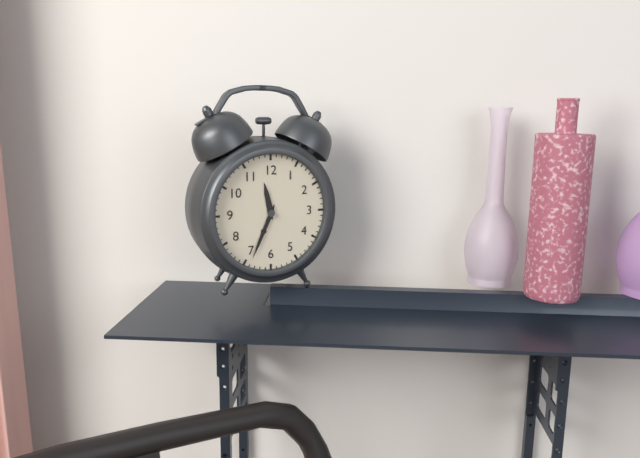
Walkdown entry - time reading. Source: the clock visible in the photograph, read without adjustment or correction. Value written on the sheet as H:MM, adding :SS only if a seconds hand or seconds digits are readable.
11:34
